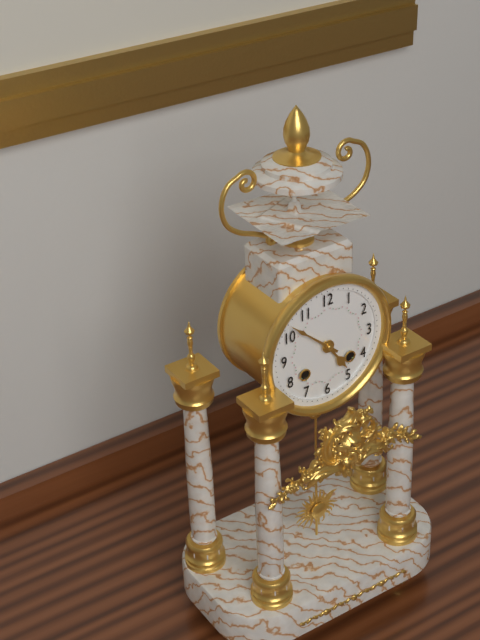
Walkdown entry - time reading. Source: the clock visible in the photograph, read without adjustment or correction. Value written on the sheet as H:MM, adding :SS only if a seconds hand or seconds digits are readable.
4:52
